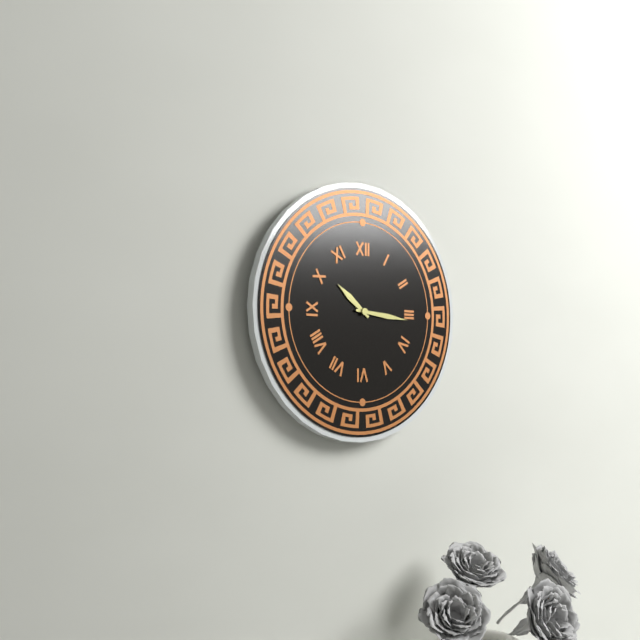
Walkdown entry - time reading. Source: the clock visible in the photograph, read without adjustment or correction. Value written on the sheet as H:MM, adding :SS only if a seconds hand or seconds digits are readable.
10:16
